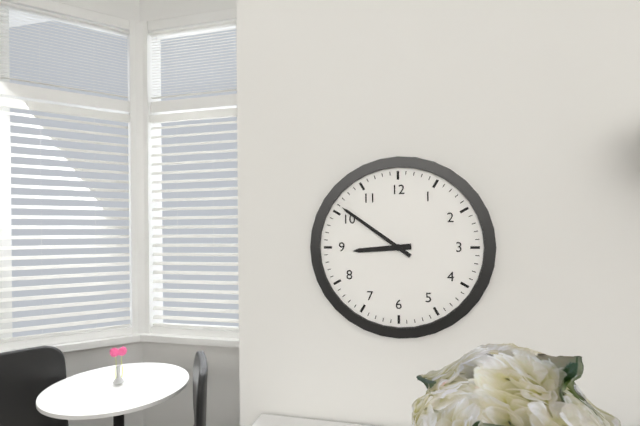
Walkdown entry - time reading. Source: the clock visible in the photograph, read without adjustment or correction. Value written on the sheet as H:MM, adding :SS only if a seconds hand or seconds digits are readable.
8:51
